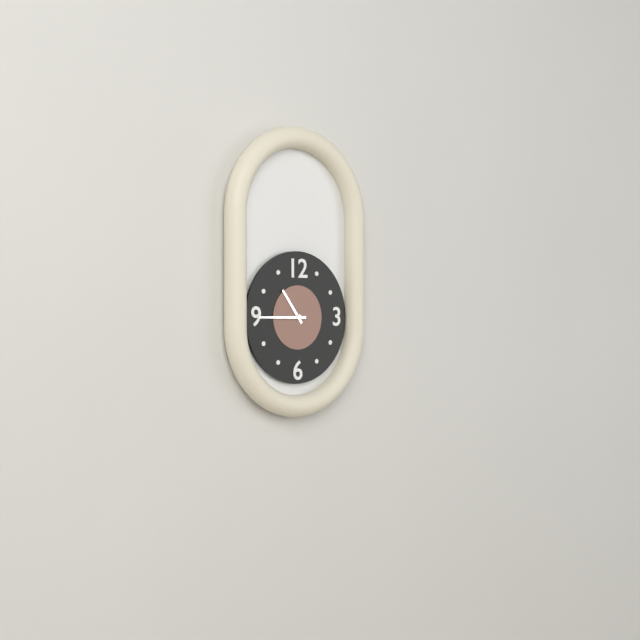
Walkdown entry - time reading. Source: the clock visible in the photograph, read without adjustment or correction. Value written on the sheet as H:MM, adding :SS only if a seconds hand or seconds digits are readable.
10:45
